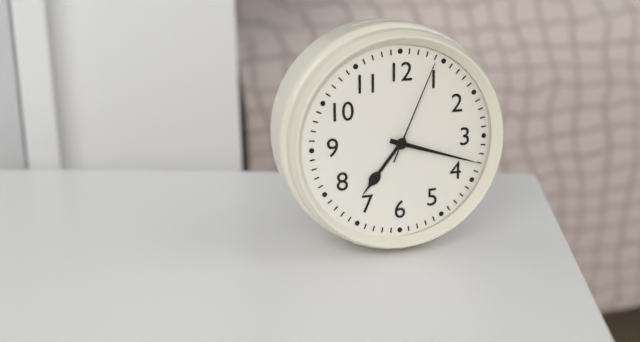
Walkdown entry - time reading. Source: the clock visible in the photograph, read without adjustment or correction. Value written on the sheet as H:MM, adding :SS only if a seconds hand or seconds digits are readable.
7:18:04
